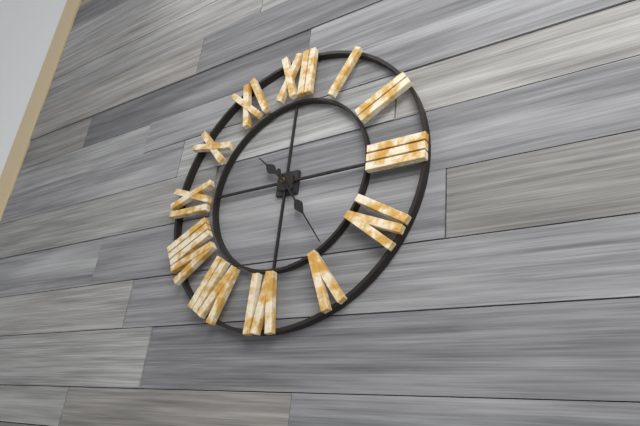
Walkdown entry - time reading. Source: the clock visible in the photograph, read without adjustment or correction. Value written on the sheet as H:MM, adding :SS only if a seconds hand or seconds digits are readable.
10:24
